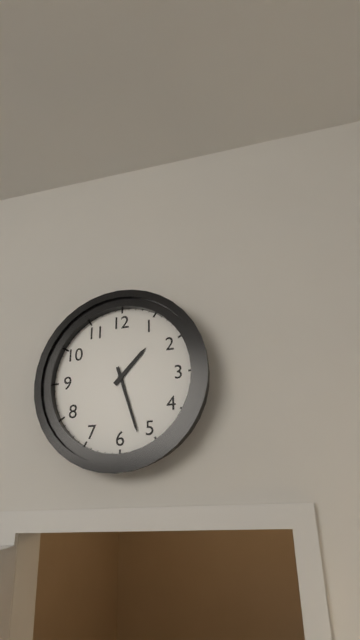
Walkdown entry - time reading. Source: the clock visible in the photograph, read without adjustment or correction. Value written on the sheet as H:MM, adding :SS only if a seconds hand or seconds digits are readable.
1:27
